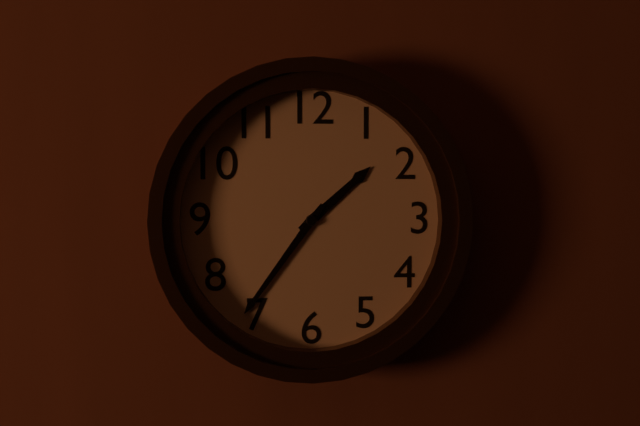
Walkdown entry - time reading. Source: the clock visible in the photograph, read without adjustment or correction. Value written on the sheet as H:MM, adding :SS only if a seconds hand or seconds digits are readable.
1:36
